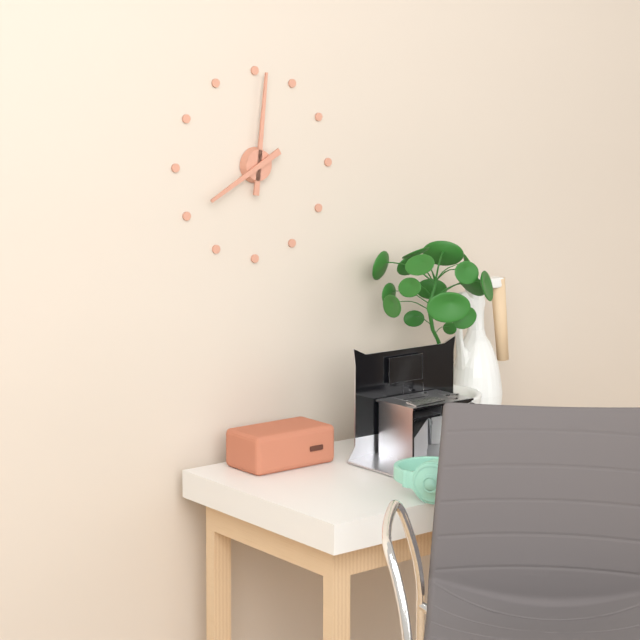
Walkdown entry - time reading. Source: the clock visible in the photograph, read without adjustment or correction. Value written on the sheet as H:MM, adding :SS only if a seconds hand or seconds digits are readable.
8:01
